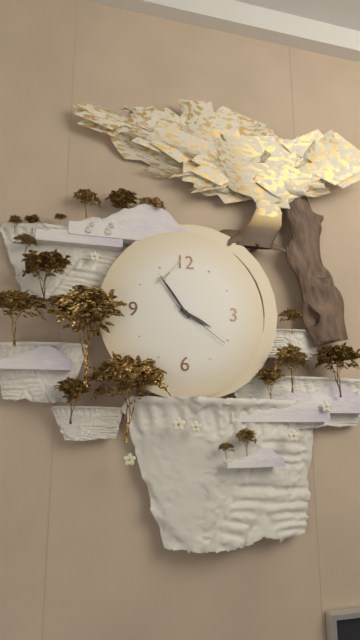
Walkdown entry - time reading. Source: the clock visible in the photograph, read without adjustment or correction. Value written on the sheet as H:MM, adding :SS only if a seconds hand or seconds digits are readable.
3:54:21
